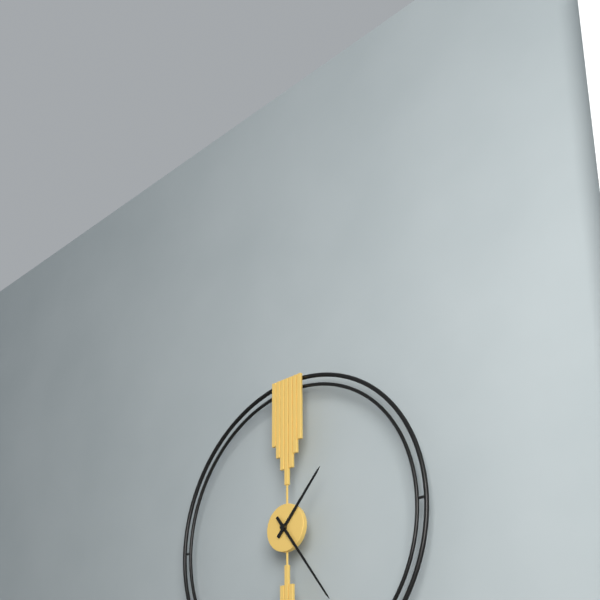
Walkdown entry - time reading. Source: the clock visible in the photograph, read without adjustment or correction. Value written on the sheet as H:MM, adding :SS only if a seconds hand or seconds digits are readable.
1:24
